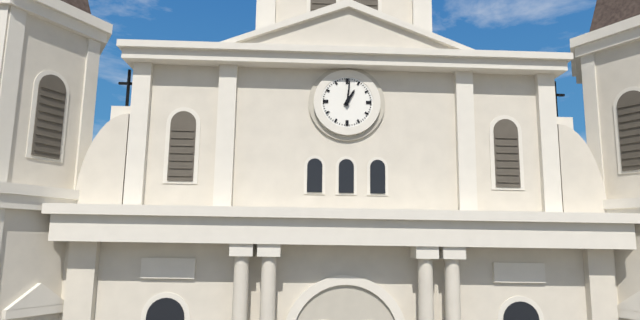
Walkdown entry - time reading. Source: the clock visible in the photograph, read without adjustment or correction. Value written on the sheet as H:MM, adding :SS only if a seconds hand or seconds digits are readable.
1:01
